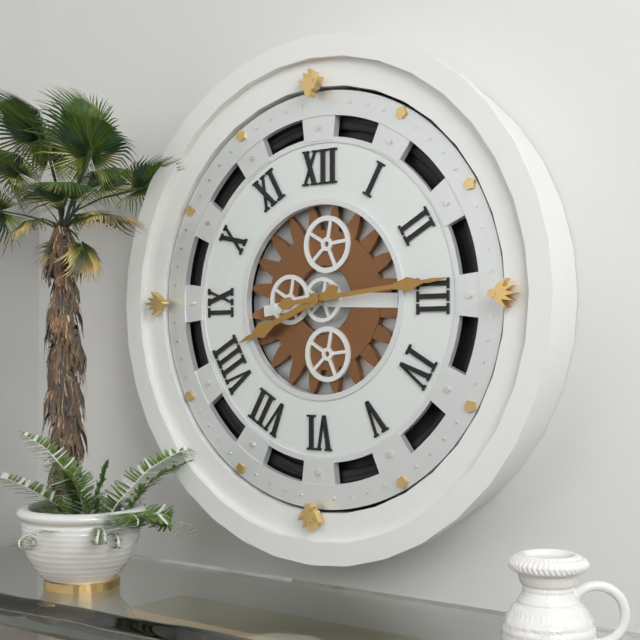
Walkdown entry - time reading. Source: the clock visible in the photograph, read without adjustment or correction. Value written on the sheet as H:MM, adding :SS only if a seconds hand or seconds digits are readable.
8:14
